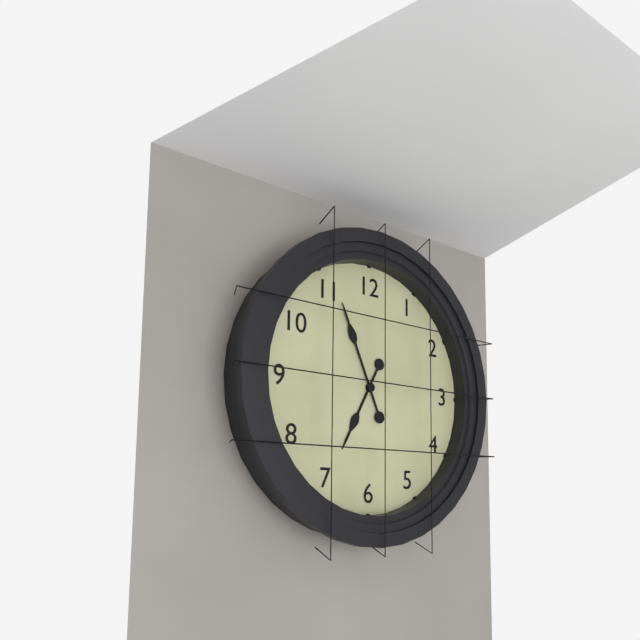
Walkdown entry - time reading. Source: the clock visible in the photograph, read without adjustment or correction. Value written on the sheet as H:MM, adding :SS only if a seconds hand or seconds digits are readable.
6:56
